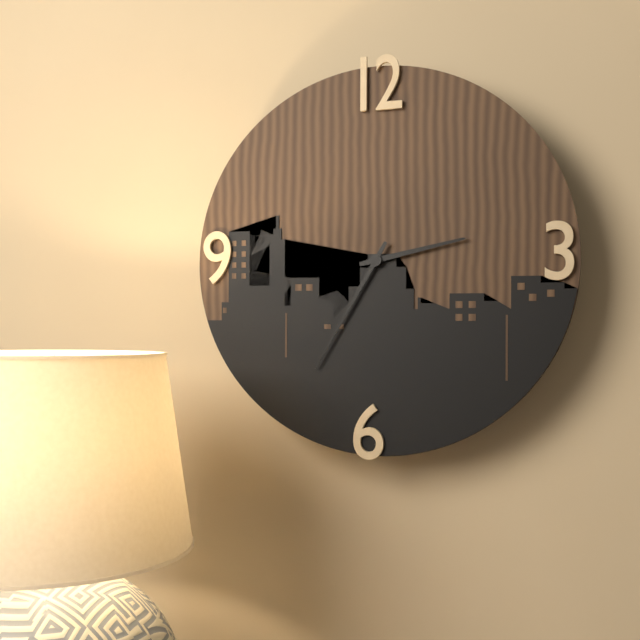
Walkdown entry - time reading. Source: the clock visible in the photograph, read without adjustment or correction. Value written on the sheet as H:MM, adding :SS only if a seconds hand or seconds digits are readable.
2:35
